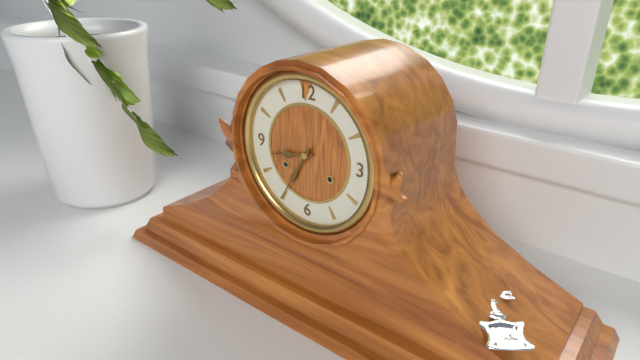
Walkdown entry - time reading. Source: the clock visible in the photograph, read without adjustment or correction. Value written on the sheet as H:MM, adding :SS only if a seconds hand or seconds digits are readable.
8:35
